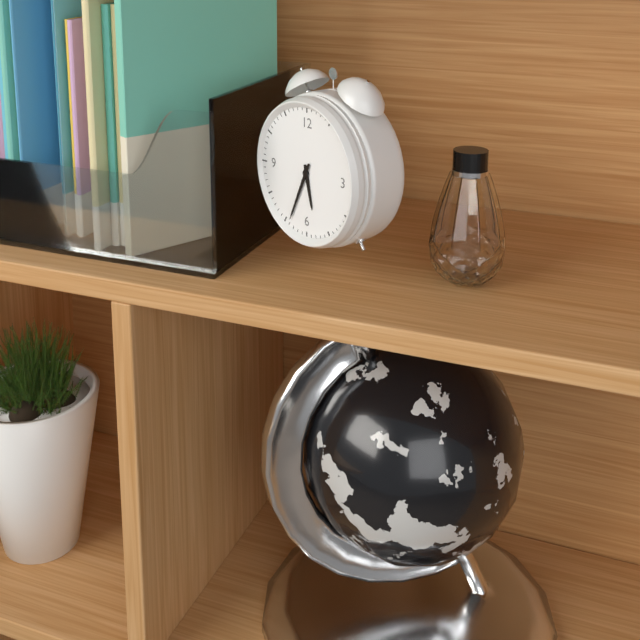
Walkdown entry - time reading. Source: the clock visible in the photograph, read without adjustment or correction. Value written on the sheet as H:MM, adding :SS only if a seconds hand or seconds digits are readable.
5:34
